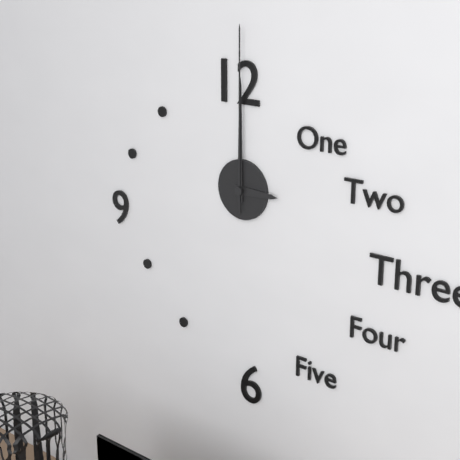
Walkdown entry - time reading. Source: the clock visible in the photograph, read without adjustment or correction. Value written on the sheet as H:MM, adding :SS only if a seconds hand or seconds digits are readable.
3:00:00
